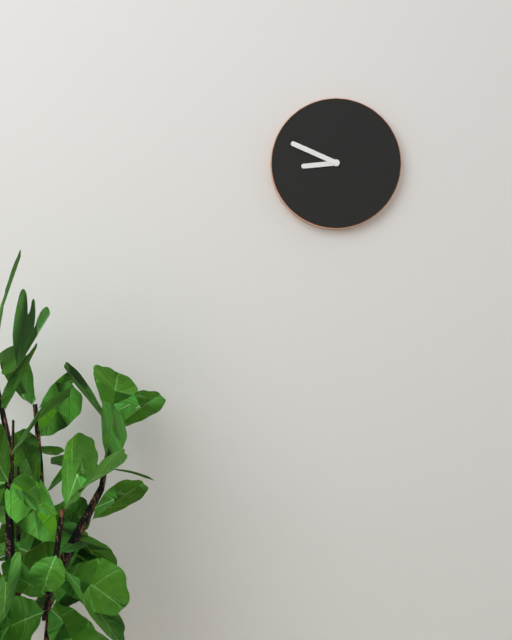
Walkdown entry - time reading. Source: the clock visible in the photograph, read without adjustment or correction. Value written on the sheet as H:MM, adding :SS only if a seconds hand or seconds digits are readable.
8:49
